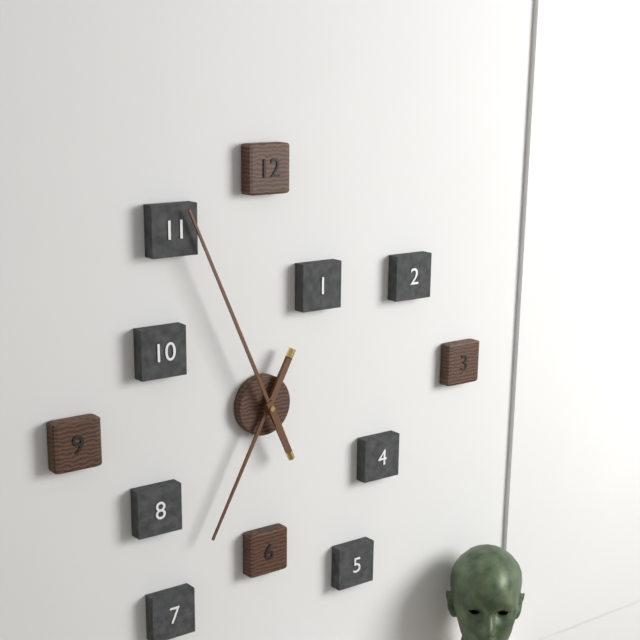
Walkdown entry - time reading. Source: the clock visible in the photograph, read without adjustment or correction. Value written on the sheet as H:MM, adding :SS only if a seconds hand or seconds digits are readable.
6:56
